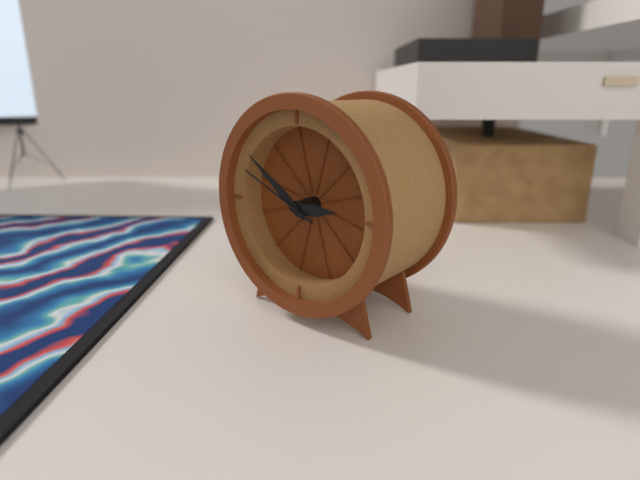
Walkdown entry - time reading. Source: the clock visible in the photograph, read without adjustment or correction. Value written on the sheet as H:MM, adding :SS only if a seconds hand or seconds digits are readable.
2:51:49
